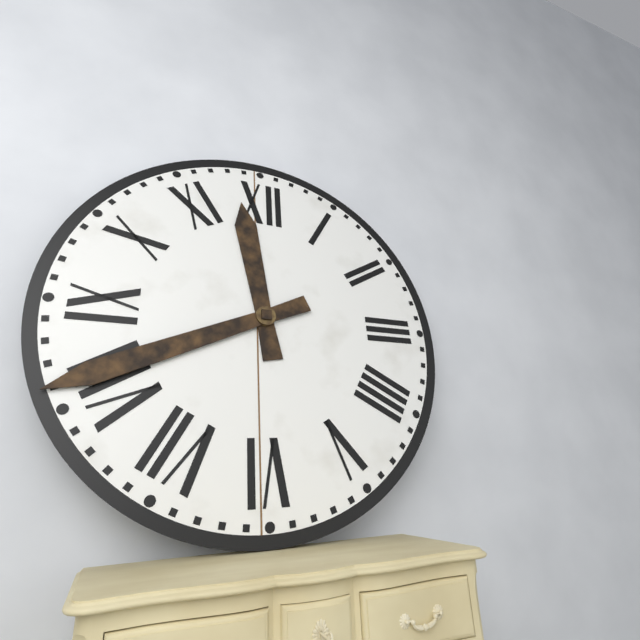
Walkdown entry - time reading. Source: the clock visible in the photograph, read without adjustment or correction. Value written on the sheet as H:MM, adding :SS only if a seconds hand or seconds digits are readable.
11:41
